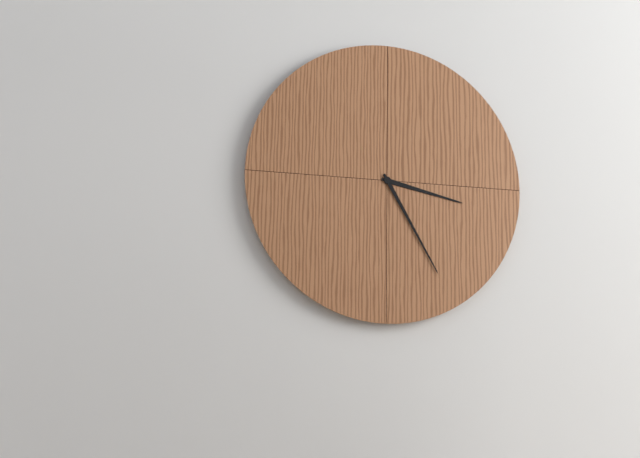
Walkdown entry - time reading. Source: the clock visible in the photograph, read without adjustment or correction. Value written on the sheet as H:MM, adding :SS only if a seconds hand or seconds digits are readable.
3:25
